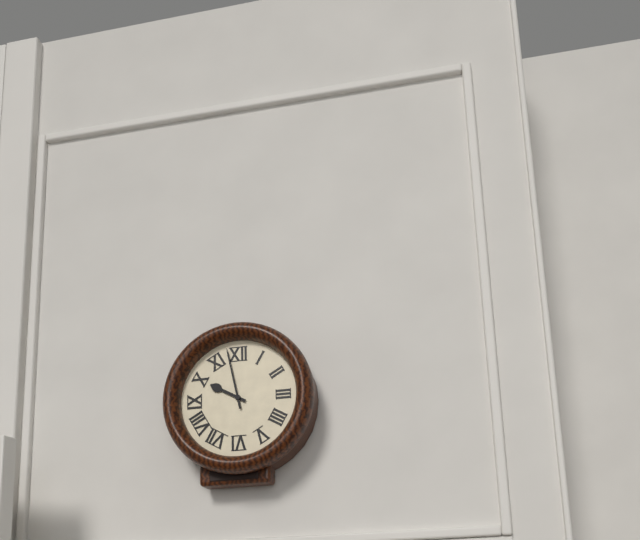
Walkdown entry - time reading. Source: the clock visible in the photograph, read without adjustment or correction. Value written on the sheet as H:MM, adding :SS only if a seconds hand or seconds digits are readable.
9:58
